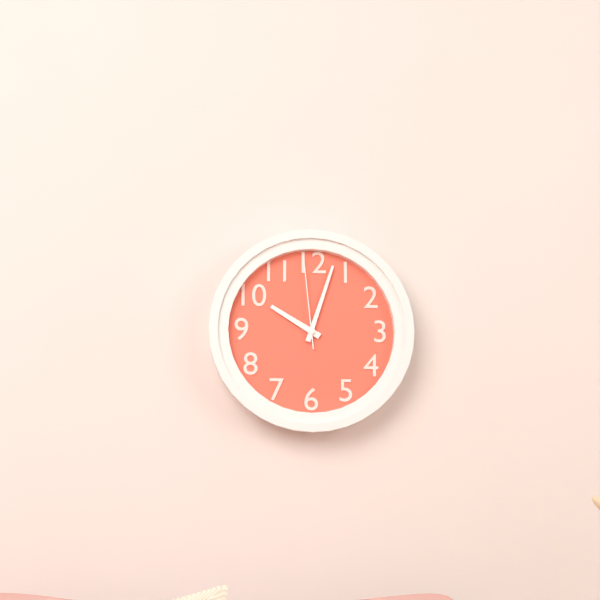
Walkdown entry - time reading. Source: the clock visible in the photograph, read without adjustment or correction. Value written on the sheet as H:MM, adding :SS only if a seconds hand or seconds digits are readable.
10:03:59
